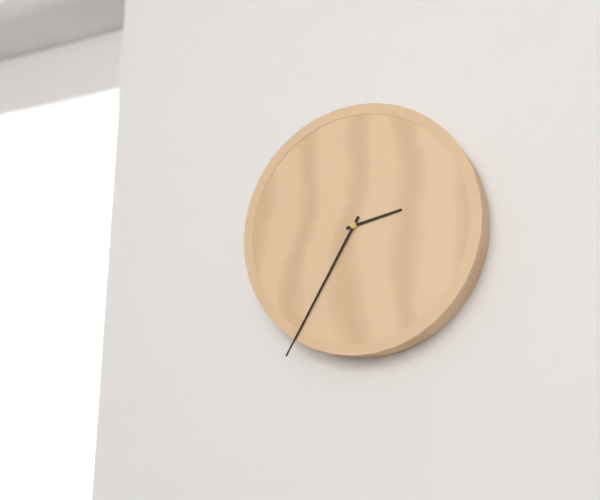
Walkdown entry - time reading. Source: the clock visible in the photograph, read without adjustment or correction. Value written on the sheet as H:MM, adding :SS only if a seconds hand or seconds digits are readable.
2:35
